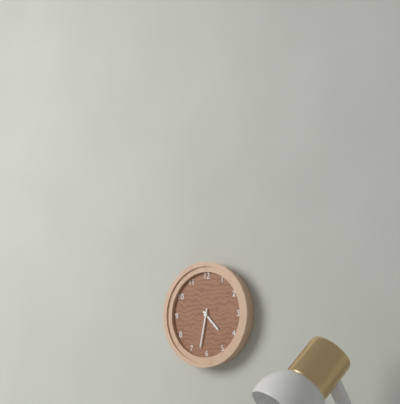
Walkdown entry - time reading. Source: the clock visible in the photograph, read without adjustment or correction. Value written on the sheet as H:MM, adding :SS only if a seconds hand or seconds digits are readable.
4:32
